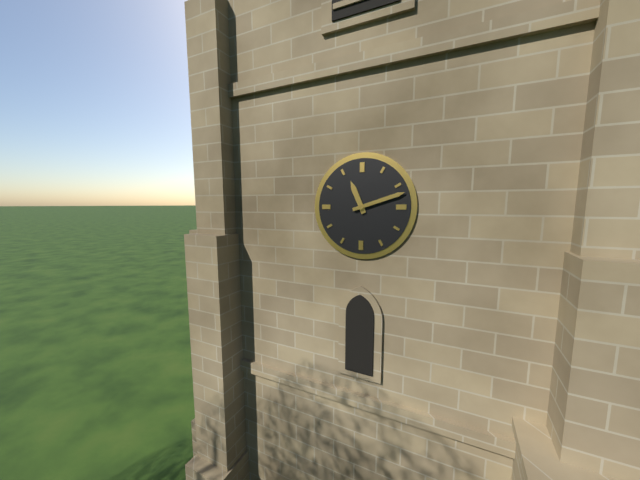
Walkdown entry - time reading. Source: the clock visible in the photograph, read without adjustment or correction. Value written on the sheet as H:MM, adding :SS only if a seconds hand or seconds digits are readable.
11:12
